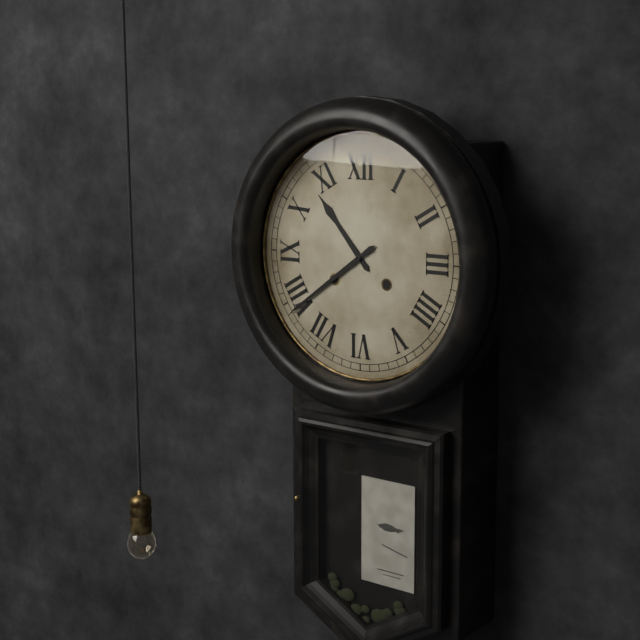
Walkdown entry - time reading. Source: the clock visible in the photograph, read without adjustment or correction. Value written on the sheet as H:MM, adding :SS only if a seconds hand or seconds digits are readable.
10:39
